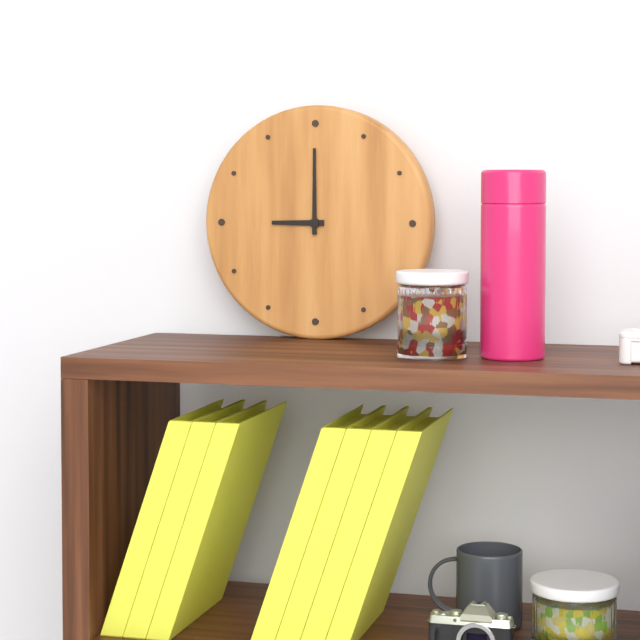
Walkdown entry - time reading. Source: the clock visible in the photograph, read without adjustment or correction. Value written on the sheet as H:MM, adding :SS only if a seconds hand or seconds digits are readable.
9:00
